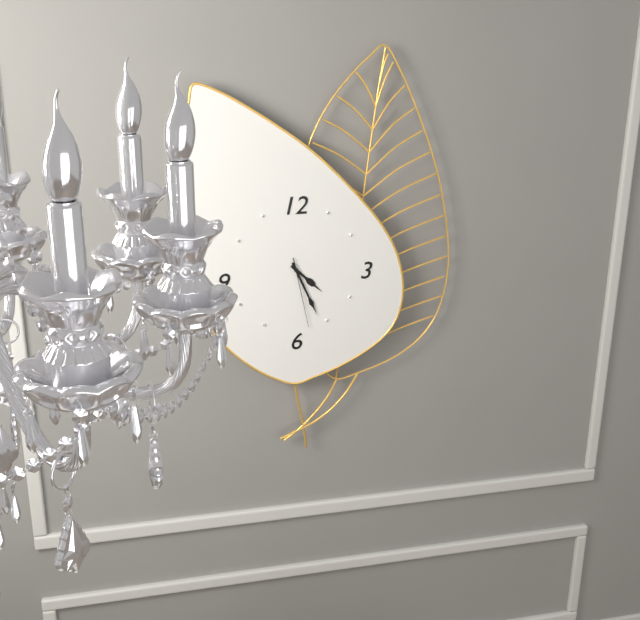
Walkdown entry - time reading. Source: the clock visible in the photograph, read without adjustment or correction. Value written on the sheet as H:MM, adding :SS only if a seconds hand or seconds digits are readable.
4:26:28
